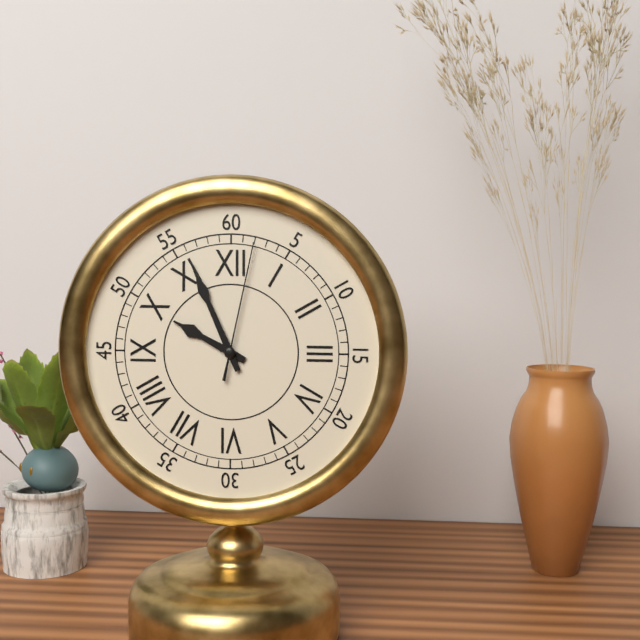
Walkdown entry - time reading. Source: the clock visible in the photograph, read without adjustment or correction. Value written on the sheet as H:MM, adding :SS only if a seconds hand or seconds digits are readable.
9:56:02
